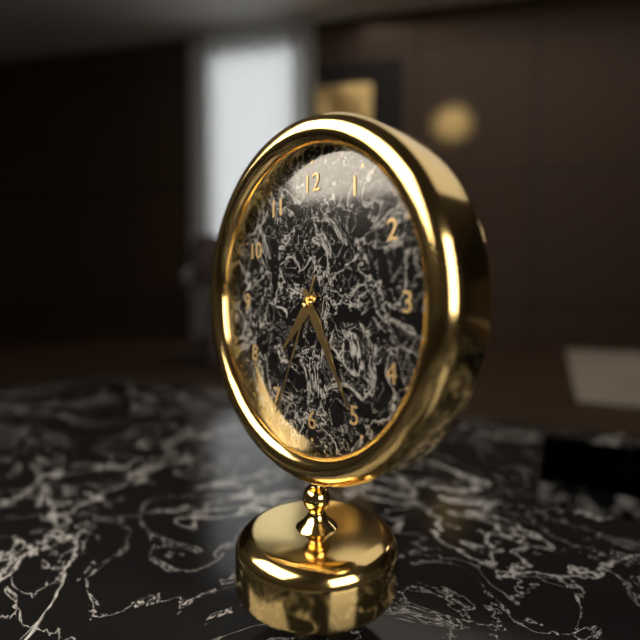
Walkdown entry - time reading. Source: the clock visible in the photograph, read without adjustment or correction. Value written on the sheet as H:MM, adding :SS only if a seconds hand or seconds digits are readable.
7:25:34
